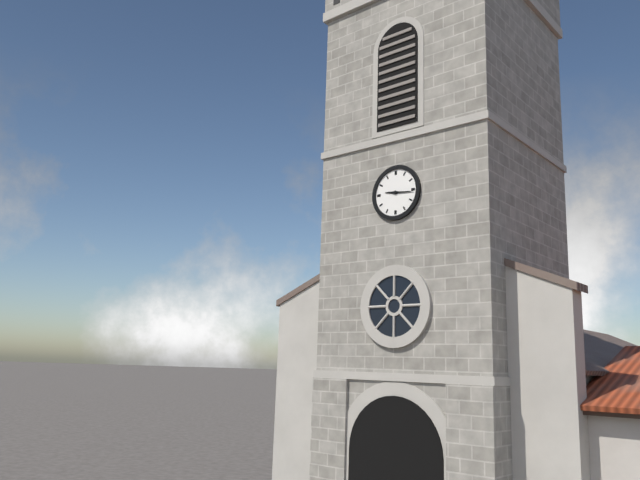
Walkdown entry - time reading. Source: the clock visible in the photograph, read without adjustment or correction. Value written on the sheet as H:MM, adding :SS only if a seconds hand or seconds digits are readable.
9:16
